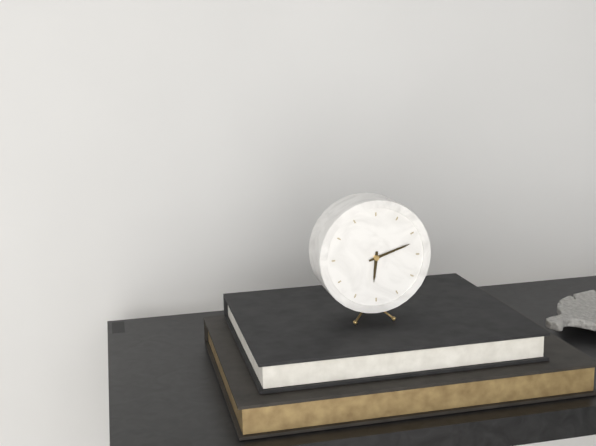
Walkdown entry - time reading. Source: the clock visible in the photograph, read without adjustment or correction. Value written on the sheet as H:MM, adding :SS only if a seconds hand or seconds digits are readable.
6:12
